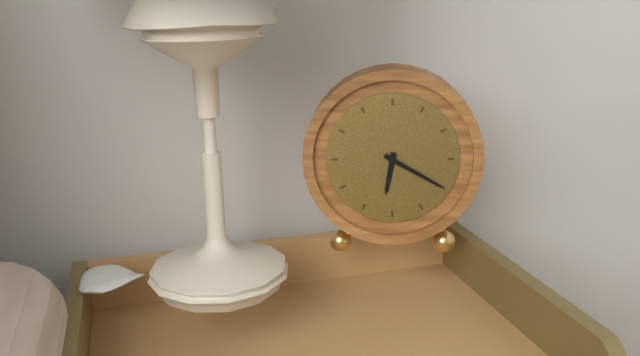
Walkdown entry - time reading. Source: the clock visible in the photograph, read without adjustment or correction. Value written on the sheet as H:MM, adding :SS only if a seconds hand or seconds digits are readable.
6:20
